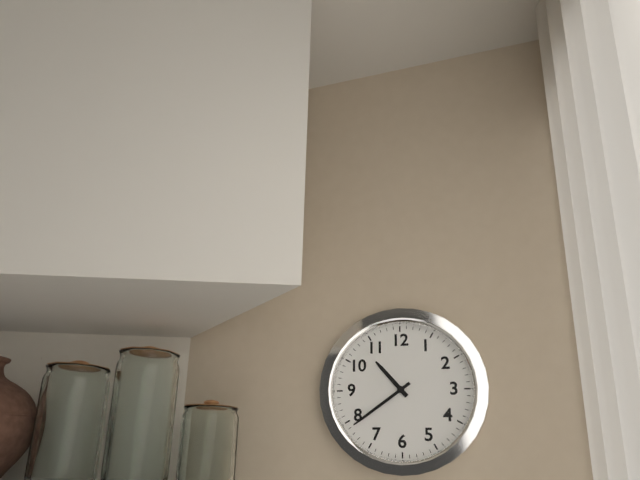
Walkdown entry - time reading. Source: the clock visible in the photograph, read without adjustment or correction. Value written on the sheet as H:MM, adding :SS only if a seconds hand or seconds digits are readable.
10:39
